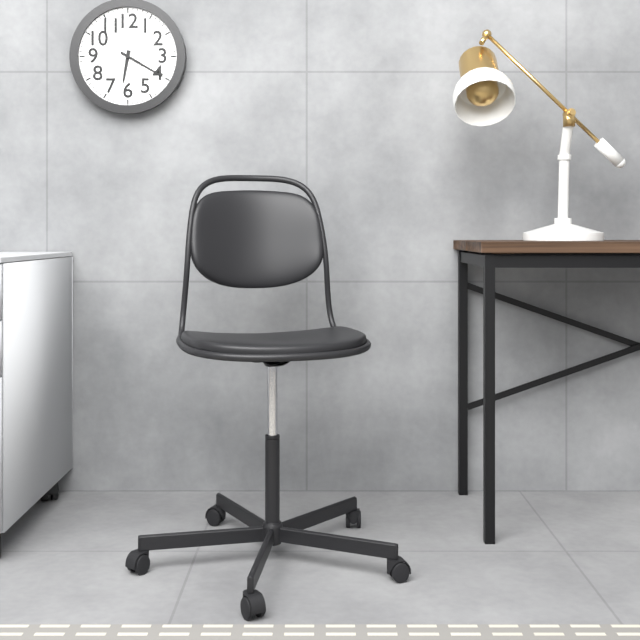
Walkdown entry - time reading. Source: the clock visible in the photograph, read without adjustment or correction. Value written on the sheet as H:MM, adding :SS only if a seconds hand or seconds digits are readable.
6:20
